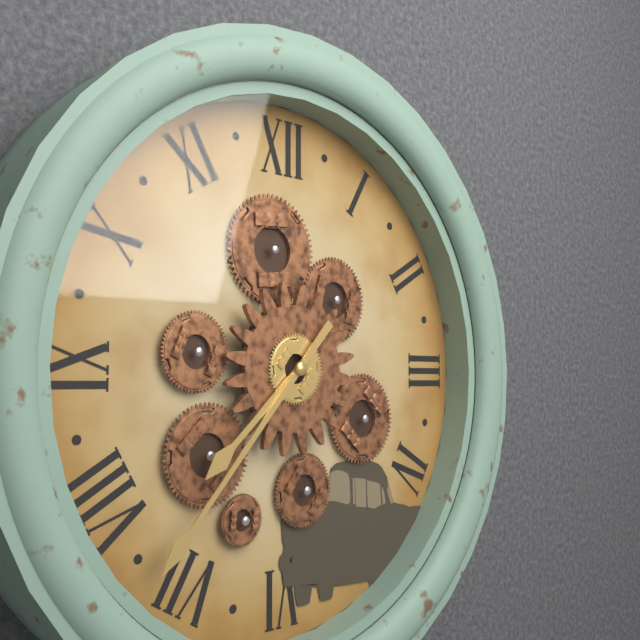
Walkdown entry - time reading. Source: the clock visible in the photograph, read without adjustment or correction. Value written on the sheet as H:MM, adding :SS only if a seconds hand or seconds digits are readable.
7:37
